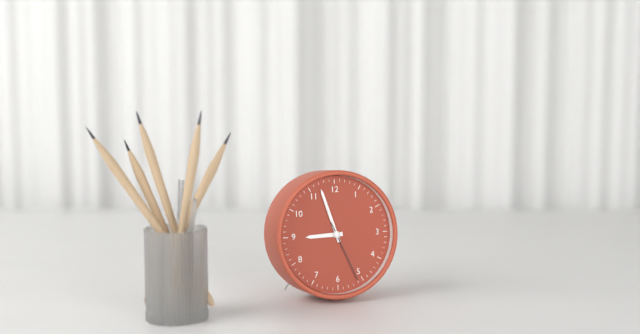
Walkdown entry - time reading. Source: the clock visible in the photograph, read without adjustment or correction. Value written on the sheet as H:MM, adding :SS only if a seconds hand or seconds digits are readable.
8:57:26
